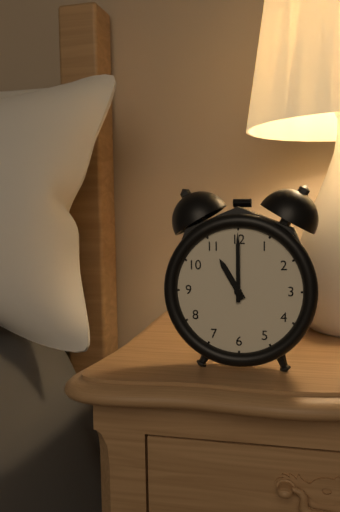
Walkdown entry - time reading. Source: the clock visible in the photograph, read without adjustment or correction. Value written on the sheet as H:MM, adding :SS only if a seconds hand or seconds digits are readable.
11:00
